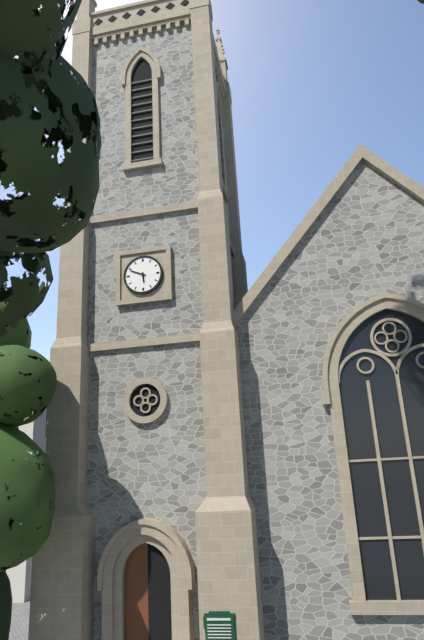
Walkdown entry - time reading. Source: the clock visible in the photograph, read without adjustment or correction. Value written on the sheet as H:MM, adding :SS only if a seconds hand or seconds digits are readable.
5:49
